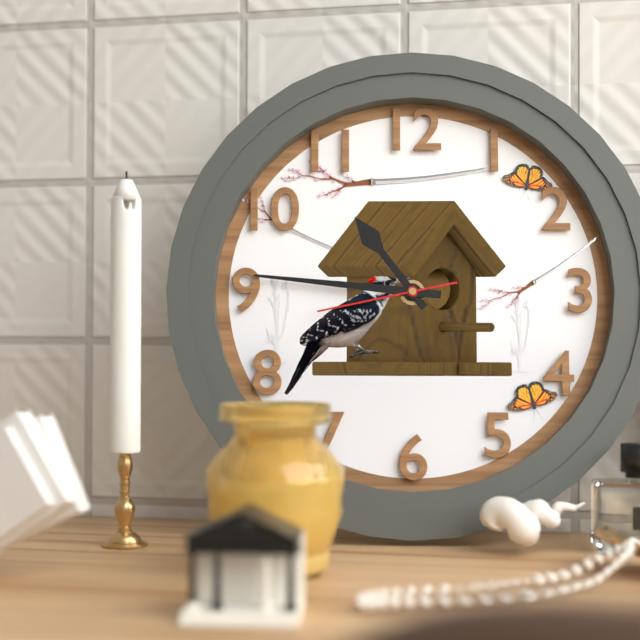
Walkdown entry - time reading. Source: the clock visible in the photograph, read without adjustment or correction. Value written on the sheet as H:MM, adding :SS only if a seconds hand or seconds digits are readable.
10:46:43
